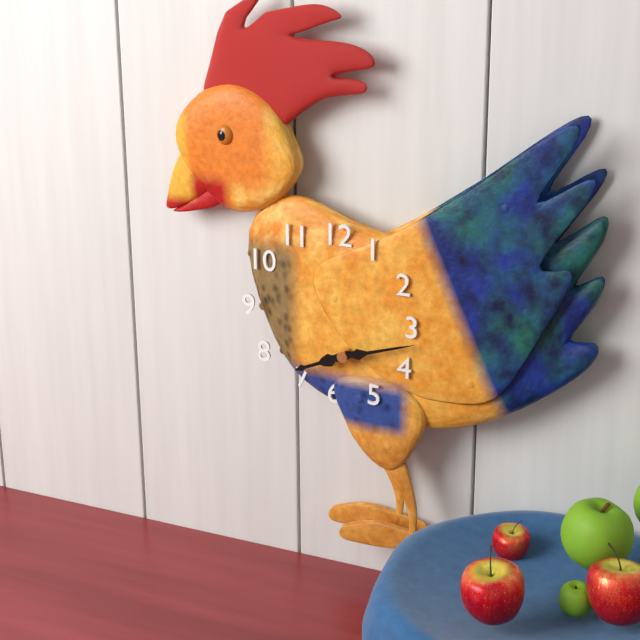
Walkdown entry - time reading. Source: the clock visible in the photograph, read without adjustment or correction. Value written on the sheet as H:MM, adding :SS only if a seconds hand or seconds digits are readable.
8:12
